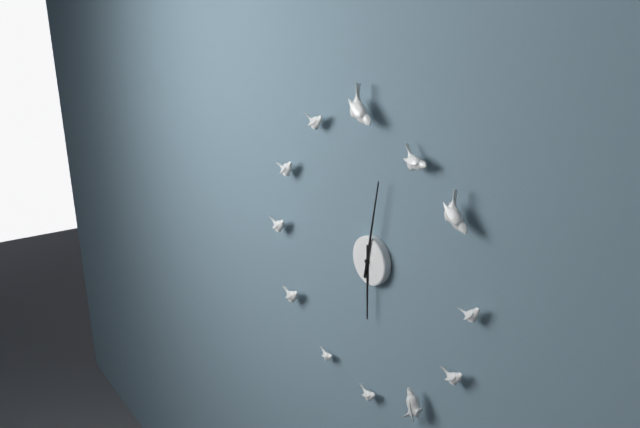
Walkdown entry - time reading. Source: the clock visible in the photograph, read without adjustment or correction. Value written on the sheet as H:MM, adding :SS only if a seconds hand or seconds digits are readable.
6:02
